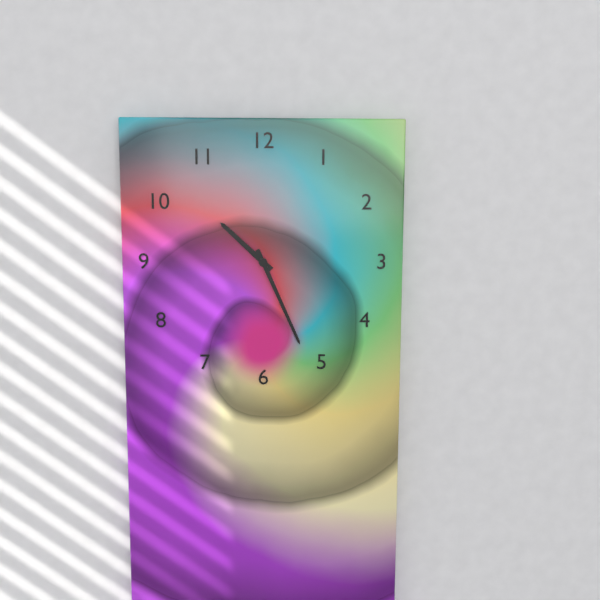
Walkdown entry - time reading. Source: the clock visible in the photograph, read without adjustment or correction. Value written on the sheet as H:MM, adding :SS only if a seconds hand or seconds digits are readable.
10:26
